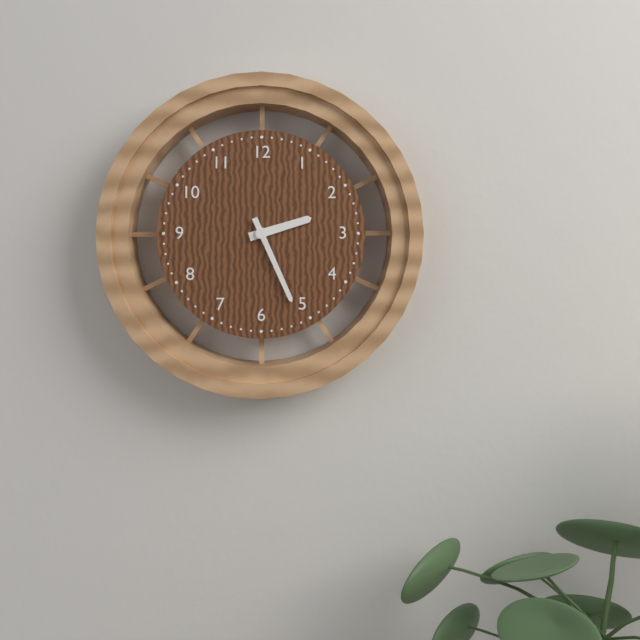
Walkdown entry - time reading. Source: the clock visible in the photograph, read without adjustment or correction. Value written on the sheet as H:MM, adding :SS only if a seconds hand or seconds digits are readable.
2:26
